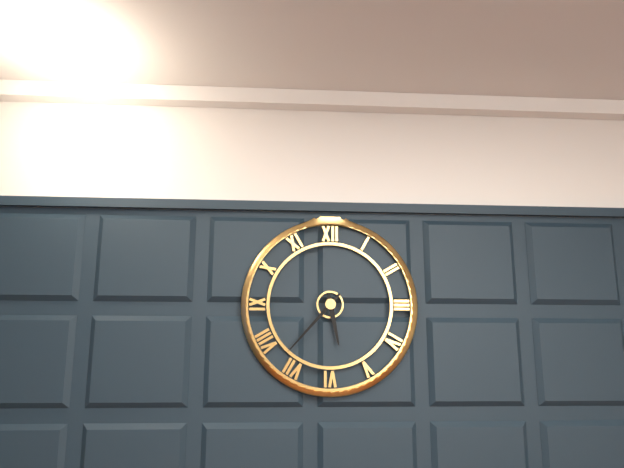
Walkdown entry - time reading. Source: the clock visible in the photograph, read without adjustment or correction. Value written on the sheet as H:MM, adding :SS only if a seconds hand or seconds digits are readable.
5:37
